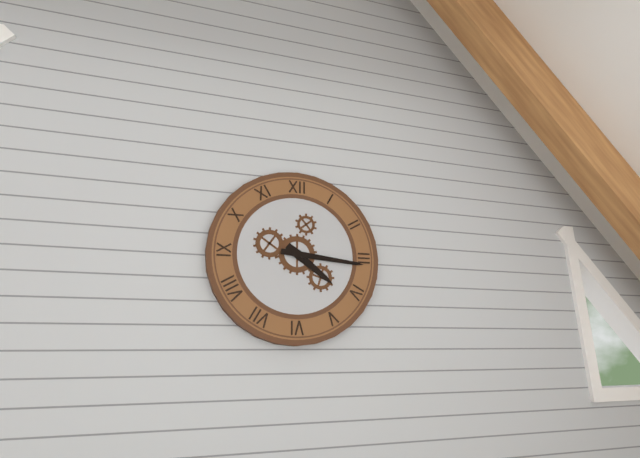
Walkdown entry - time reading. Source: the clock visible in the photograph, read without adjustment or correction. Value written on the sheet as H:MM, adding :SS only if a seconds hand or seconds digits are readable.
4:16
